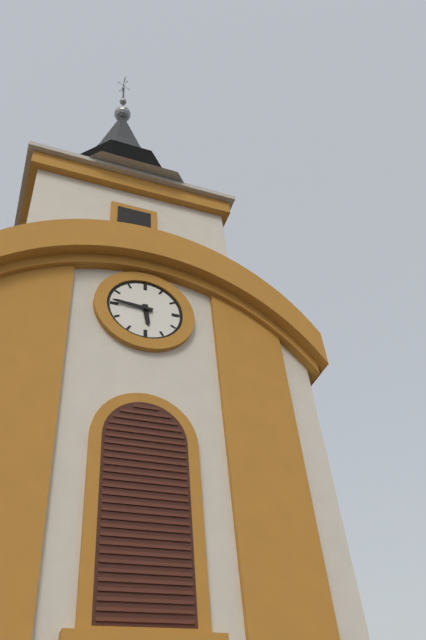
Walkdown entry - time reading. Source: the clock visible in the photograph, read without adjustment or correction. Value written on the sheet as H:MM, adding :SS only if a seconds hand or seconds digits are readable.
5:46
